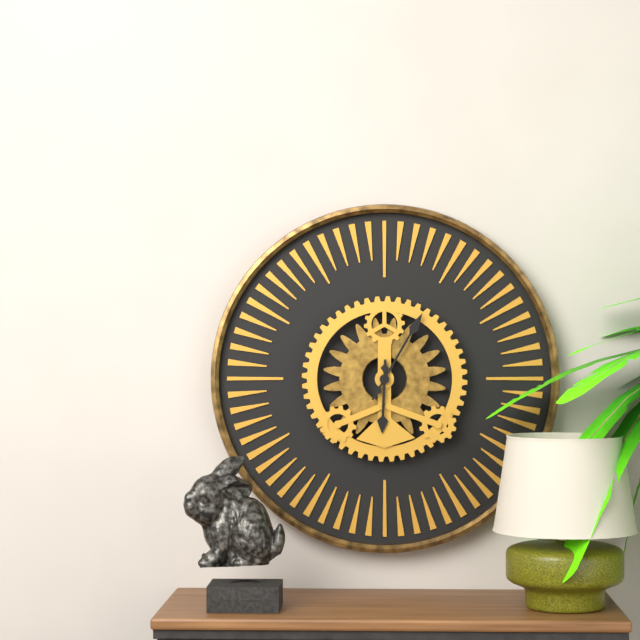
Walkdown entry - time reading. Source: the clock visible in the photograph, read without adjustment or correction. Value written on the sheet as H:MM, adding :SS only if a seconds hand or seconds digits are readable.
6:05
